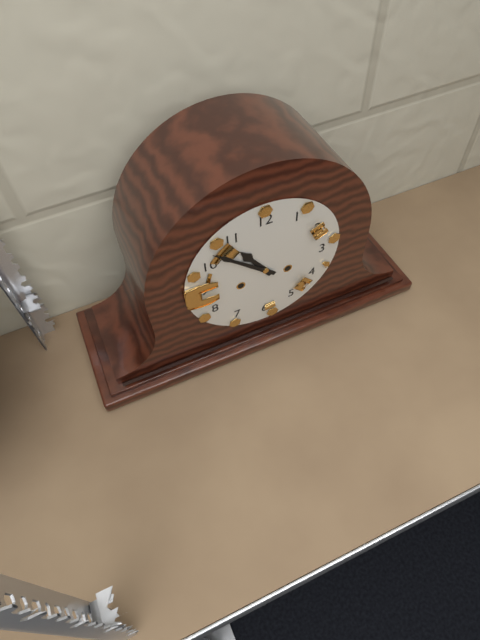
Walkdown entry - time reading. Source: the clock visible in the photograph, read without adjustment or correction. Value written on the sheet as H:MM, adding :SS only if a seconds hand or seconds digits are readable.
10:52
